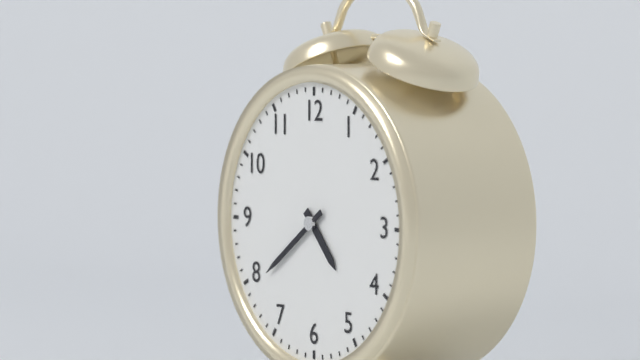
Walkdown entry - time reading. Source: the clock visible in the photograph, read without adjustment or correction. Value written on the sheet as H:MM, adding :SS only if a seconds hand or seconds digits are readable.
4:39
